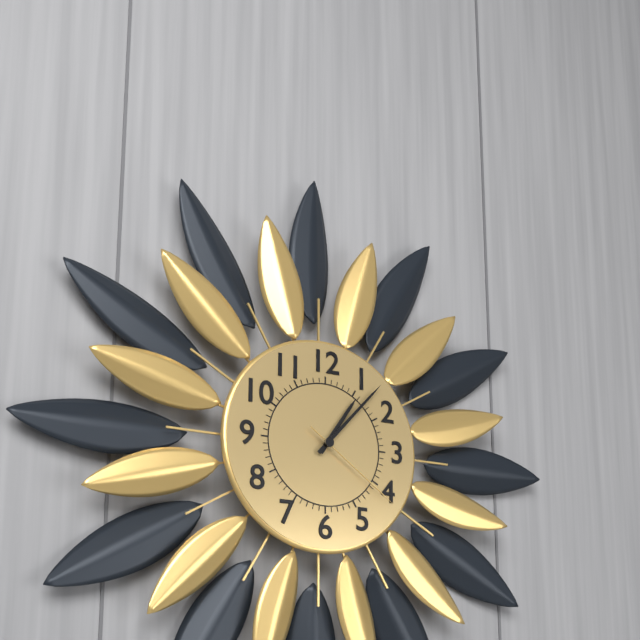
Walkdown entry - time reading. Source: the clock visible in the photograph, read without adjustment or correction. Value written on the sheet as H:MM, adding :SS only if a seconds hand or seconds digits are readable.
1:07:21
